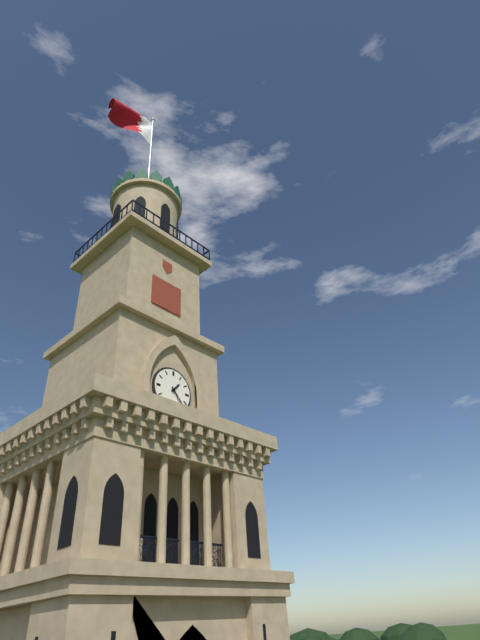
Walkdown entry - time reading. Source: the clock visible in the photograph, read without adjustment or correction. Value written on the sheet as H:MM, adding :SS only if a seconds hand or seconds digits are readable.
1:23
